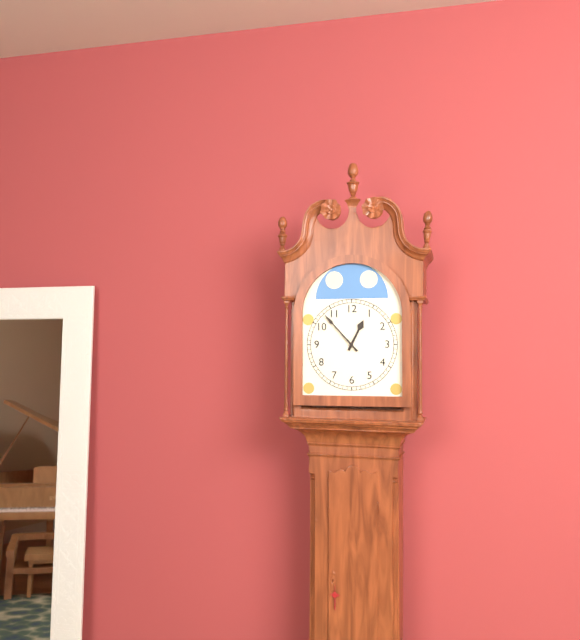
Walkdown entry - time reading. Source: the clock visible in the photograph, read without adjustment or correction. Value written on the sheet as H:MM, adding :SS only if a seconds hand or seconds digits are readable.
12:53
